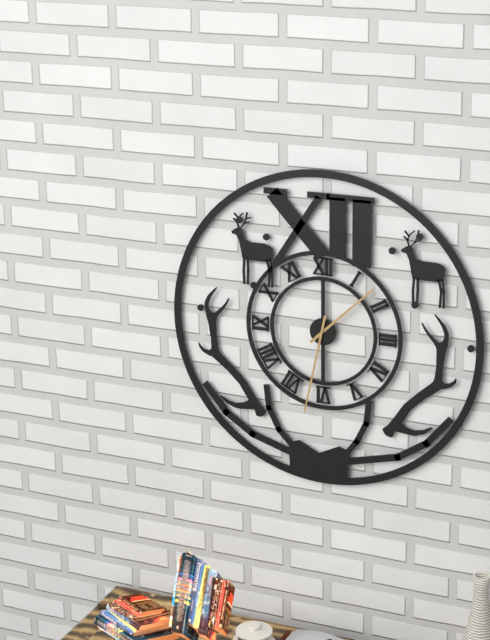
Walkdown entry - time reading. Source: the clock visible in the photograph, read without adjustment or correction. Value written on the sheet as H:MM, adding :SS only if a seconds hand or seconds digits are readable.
1:32
